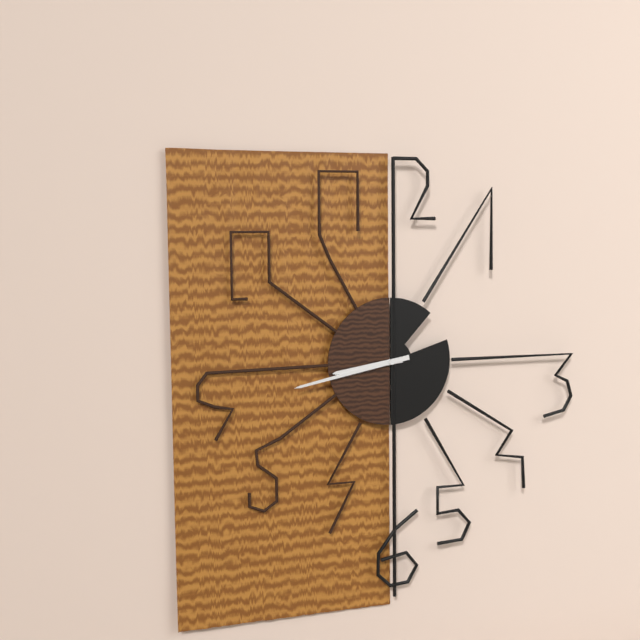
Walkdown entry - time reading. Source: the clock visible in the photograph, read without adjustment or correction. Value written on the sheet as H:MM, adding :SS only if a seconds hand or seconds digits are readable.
8:43
